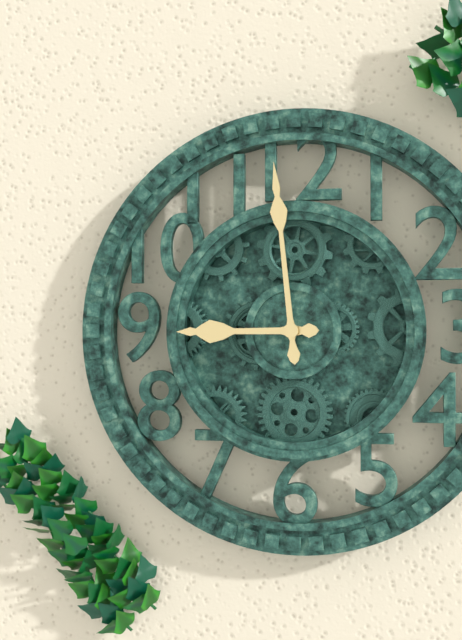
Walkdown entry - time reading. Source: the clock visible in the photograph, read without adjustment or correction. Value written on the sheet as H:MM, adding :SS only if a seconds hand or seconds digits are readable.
8:59
